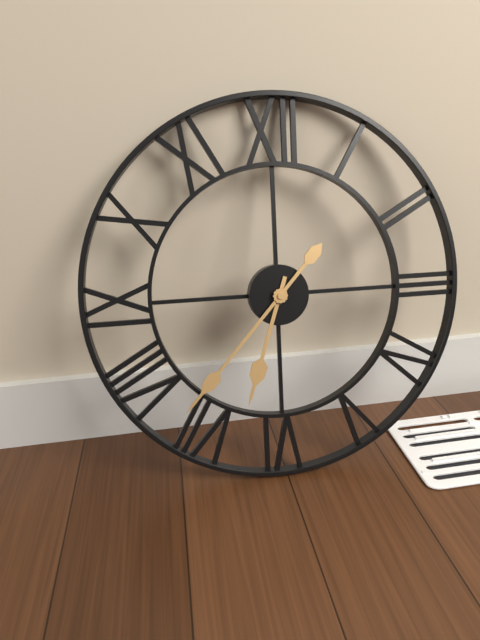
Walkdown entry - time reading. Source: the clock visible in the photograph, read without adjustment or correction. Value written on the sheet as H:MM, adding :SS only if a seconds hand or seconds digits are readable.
6:37
